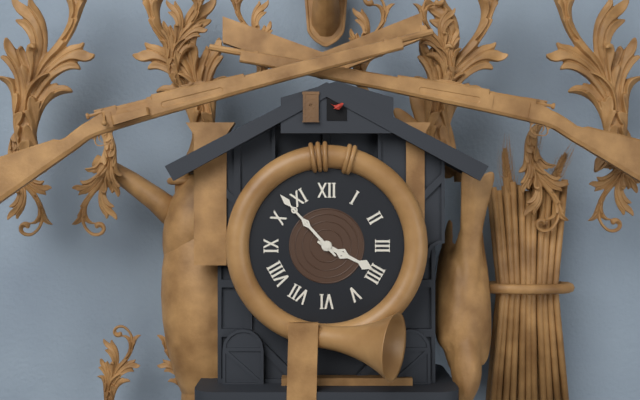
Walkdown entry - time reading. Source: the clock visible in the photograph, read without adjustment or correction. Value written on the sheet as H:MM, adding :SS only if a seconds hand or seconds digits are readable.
3:53
